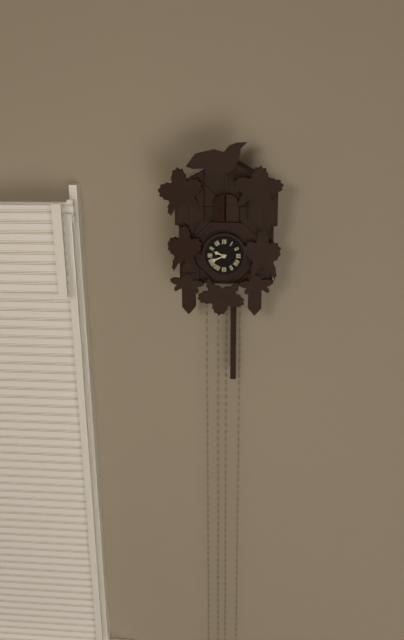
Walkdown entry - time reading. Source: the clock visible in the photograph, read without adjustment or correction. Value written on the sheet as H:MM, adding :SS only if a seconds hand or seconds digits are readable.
9:41
